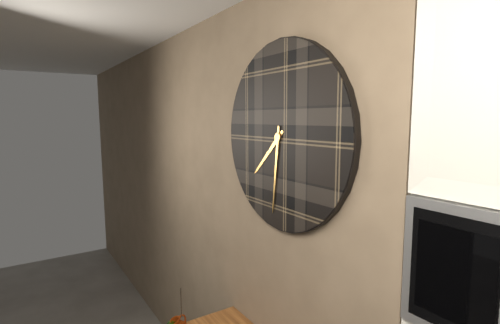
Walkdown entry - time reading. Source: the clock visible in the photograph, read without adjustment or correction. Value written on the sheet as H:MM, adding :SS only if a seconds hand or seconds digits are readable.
7:31
